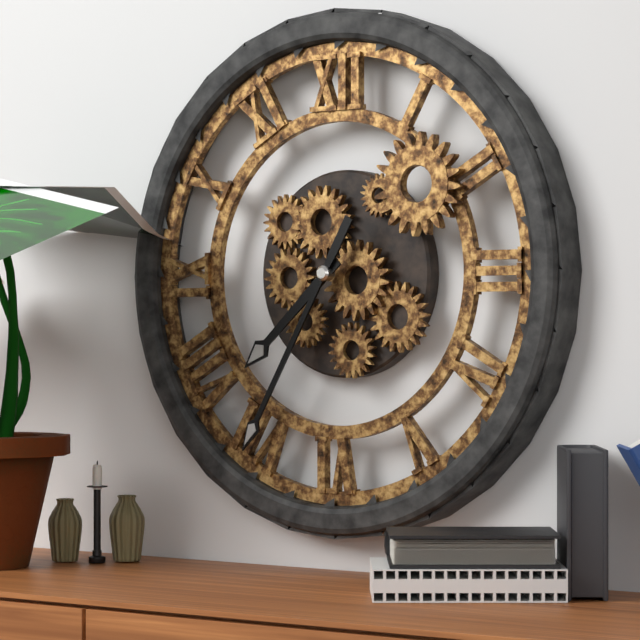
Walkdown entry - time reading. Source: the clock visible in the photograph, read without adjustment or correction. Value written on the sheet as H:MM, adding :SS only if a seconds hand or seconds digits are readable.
7:35
